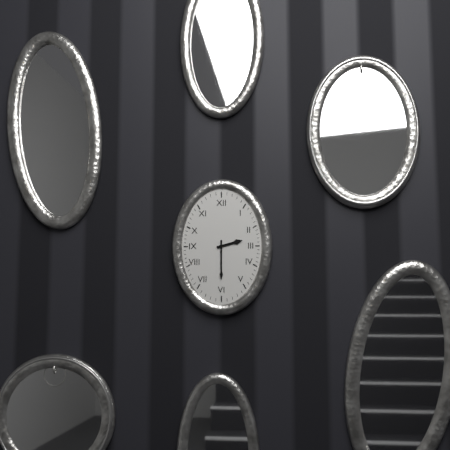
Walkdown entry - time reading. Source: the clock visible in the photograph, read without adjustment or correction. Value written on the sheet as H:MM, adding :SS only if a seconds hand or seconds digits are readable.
2:30
